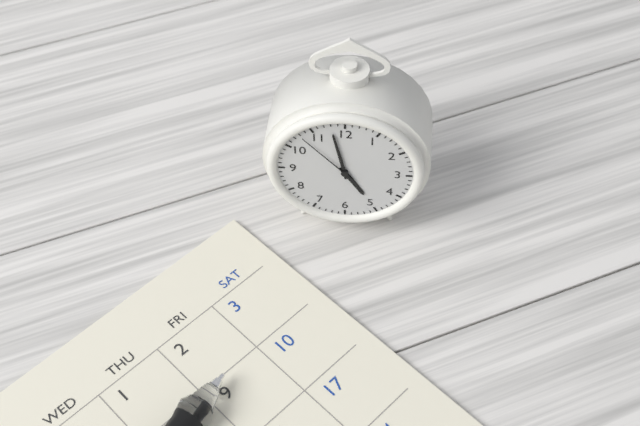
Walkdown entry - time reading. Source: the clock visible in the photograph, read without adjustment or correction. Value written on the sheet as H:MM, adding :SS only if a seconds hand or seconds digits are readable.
4:58:53
